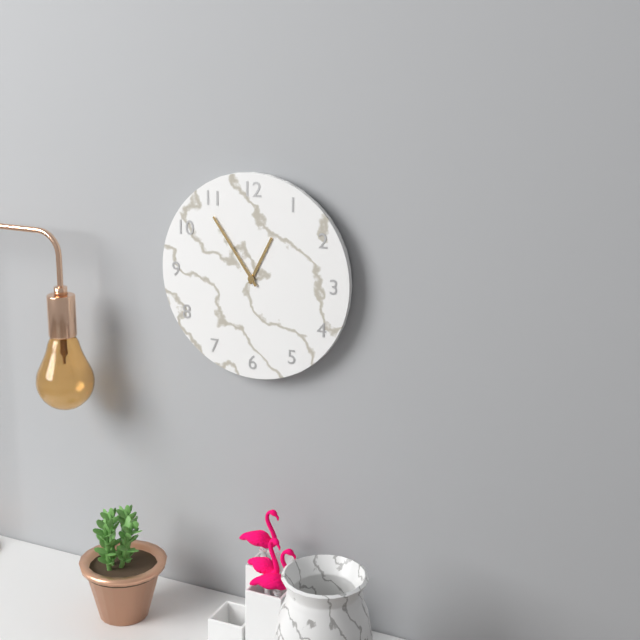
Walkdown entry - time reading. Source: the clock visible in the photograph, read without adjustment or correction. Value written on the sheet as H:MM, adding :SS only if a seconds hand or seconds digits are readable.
12:54
